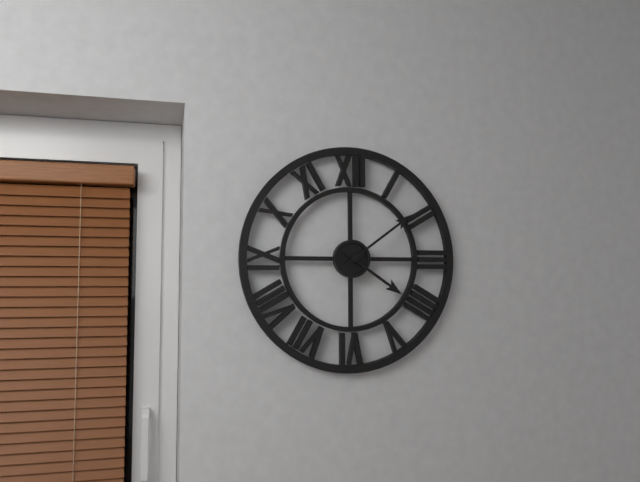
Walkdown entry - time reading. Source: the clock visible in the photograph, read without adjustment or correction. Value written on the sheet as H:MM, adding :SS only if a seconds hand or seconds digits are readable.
4:09
